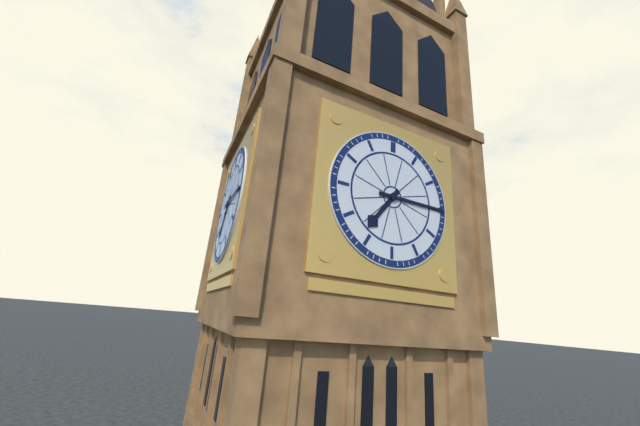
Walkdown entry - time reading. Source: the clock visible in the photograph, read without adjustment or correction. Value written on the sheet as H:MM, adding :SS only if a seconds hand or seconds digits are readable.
7:15
